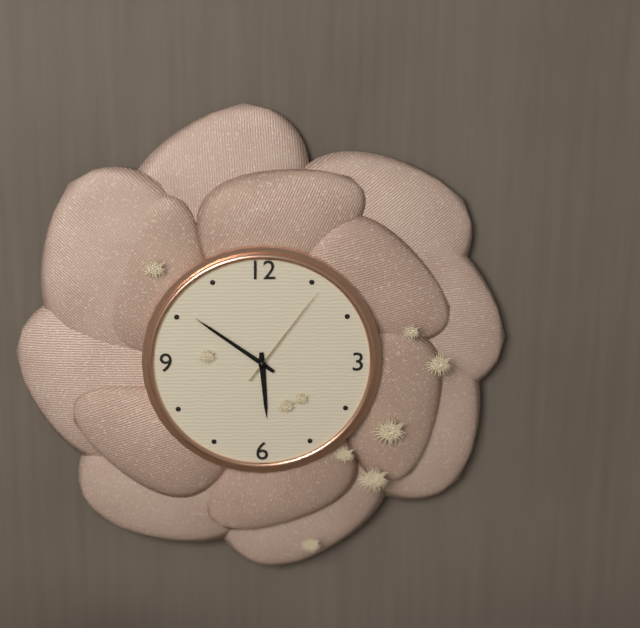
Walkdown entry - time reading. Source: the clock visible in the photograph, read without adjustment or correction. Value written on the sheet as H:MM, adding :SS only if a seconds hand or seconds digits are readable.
5:51:06
